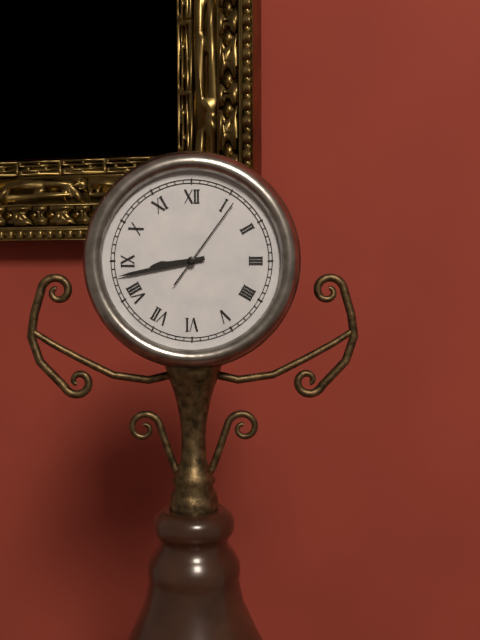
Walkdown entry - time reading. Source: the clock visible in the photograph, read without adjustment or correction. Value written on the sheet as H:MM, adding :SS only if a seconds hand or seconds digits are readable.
8:43:06
